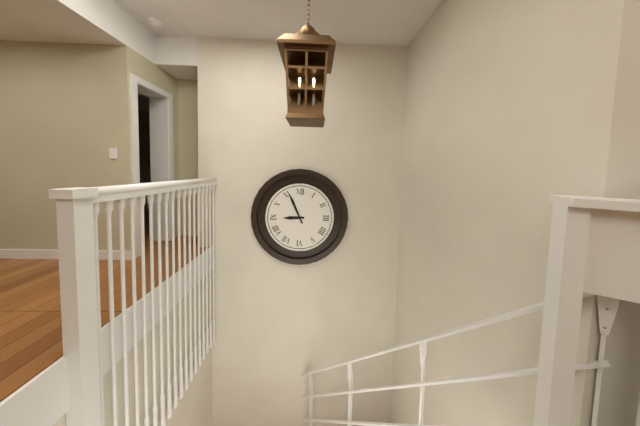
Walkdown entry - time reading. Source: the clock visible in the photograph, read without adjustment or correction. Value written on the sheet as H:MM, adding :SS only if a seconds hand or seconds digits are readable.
8:56
